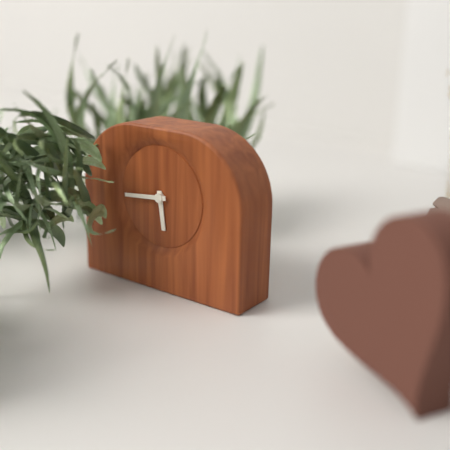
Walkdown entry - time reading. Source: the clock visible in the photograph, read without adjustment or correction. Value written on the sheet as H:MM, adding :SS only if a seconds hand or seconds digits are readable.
5:44
